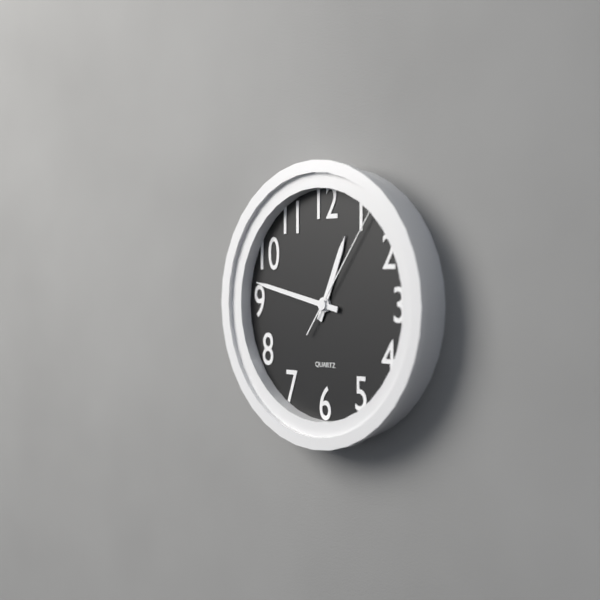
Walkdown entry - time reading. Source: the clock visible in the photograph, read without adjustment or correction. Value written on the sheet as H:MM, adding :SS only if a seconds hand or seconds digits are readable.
12:47:06
